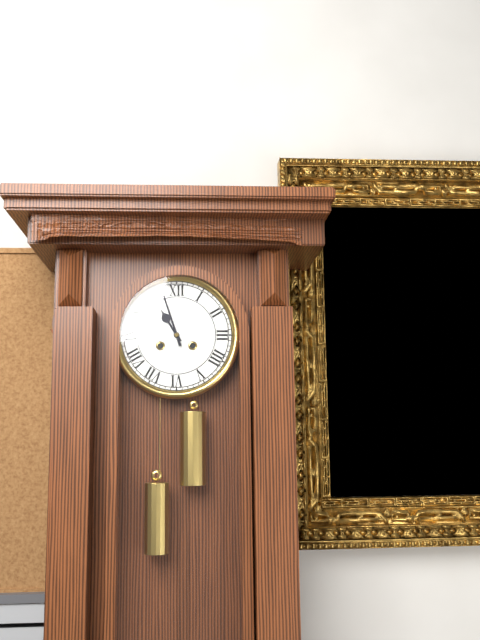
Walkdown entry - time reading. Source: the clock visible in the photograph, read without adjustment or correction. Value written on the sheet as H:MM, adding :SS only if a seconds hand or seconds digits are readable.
10:57
